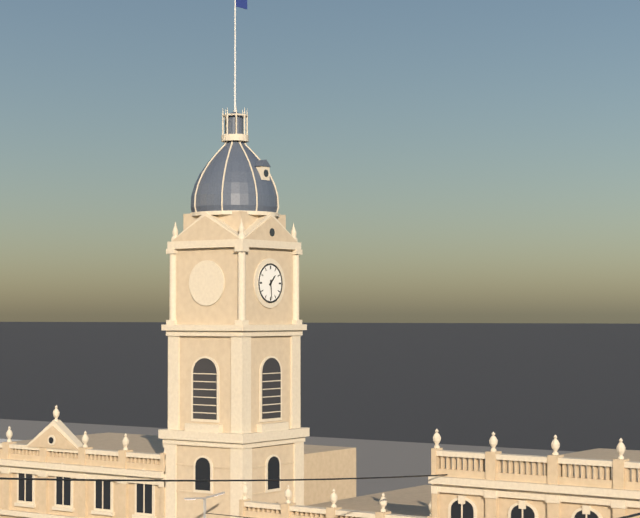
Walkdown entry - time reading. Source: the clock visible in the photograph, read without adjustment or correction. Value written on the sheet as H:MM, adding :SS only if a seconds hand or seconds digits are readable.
1:29
